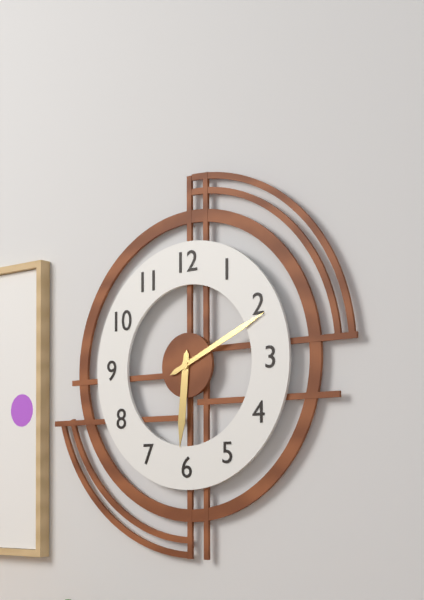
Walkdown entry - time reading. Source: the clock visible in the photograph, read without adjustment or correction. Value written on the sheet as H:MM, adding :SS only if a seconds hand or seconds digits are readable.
6:11
